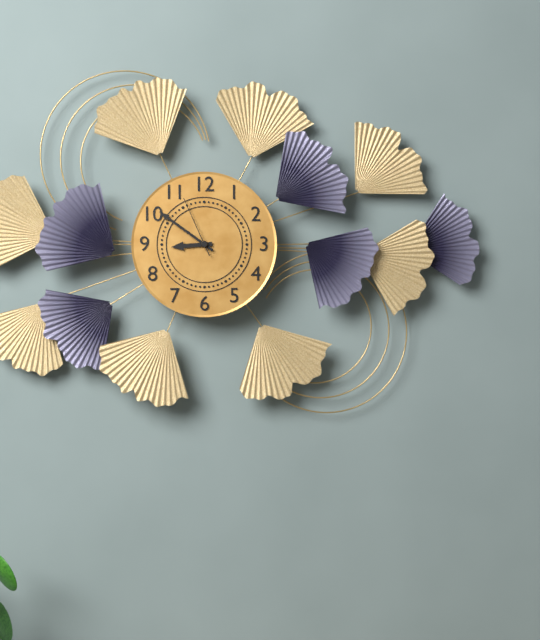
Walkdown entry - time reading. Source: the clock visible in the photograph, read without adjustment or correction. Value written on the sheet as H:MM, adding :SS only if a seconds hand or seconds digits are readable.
8:51:56
